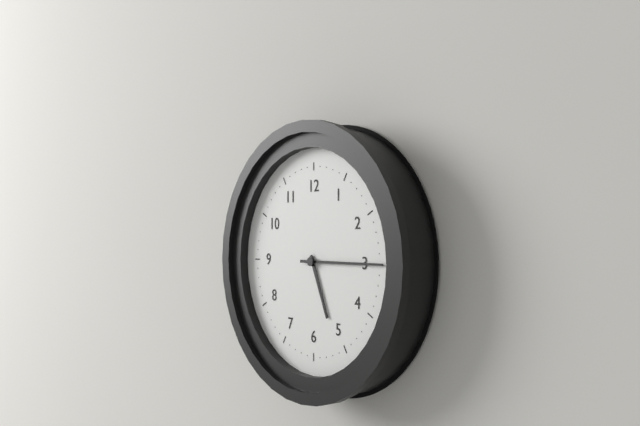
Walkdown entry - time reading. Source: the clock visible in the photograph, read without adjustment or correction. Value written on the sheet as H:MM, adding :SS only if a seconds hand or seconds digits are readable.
5:15
